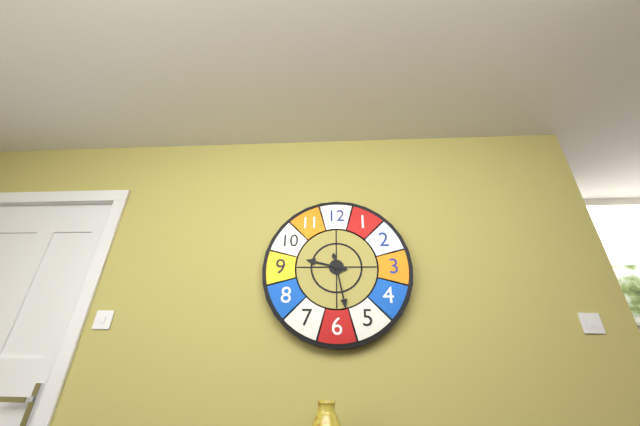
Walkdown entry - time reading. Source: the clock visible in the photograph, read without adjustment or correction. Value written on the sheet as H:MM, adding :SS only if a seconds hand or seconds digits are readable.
9:28
